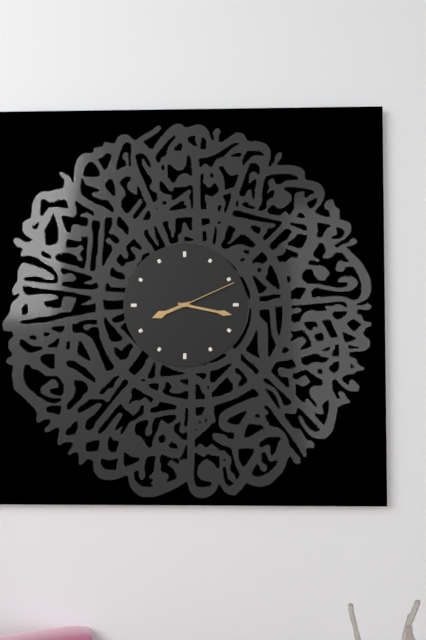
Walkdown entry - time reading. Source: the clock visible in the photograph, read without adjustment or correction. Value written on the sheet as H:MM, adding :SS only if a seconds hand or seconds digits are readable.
8:17:11
